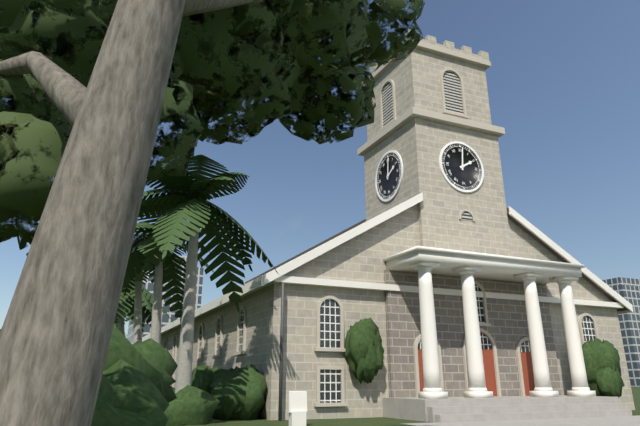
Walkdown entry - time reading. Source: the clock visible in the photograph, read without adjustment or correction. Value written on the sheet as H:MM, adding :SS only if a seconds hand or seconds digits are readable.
2:01
